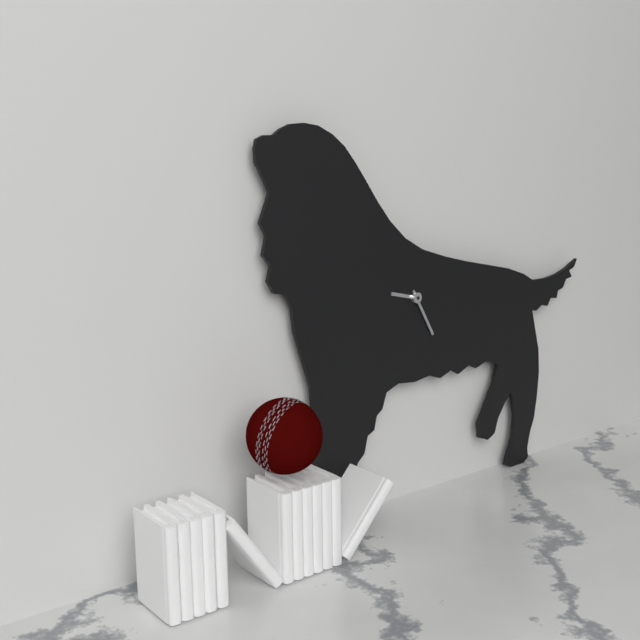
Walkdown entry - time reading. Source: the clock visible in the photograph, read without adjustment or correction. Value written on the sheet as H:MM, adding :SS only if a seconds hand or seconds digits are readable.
9:25
